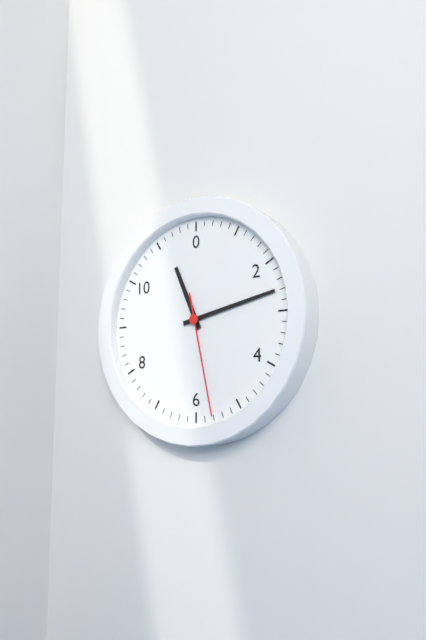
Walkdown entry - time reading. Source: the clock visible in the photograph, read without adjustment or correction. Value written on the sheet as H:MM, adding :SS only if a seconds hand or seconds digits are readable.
11:13:28
